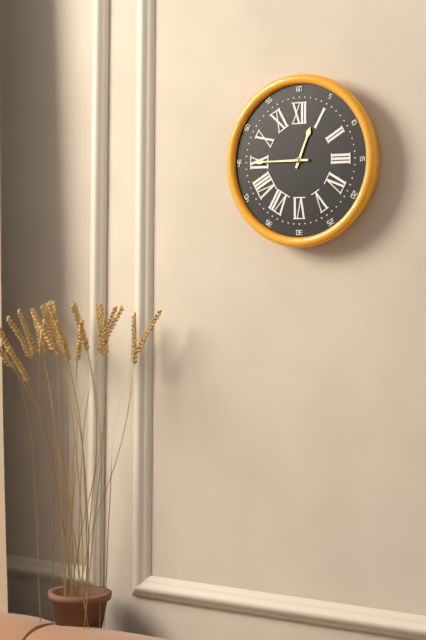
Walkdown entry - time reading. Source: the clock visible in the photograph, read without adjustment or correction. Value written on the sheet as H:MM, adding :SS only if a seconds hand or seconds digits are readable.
12:45
